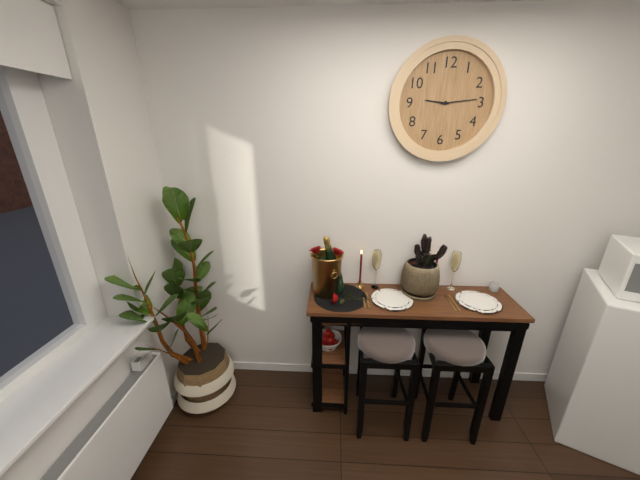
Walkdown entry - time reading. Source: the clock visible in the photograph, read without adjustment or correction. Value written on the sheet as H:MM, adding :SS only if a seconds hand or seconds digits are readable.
9:14
